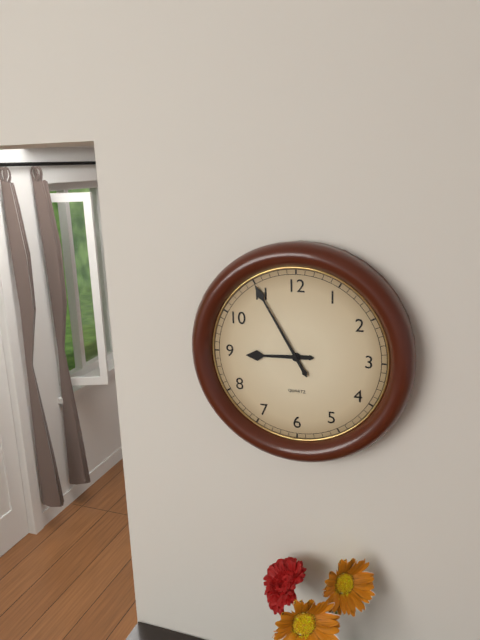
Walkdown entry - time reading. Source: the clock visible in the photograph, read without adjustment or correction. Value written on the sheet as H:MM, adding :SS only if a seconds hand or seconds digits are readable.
8:55
